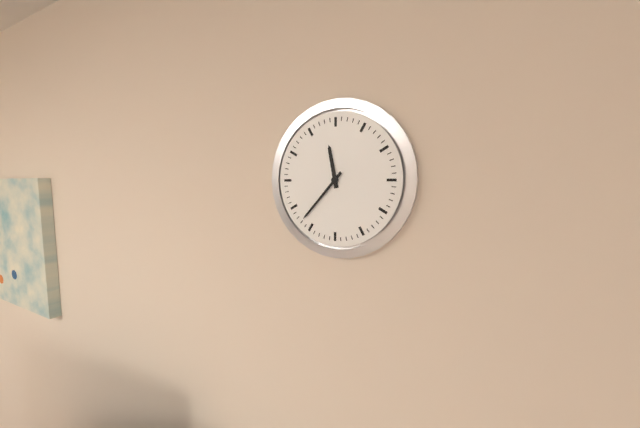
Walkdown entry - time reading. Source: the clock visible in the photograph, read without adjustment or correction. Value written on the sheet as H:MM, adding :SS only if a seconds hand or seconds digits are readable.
11:37
